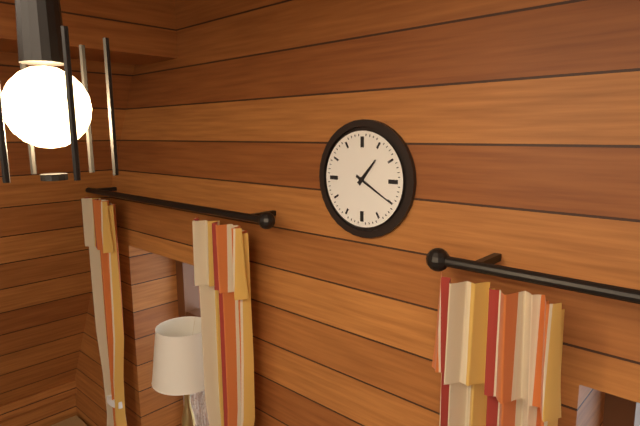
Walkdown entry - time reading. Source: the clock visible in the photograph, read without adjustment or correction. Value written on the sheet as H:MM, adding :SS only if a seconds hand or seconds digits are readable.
1:20
